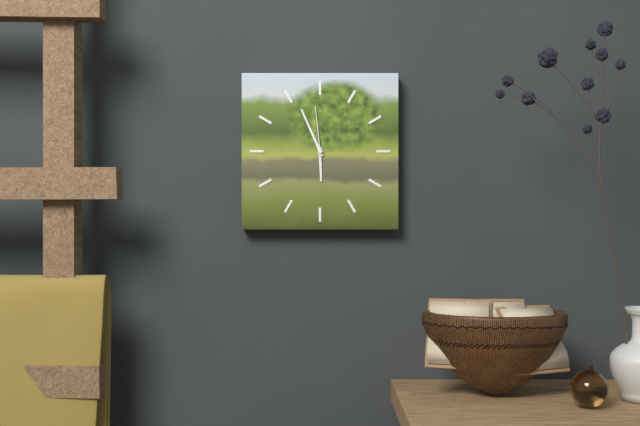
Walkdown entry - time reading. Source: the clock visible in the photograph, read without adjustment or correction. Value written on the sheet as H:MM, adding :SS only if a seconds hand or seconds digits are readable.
5:56:59
